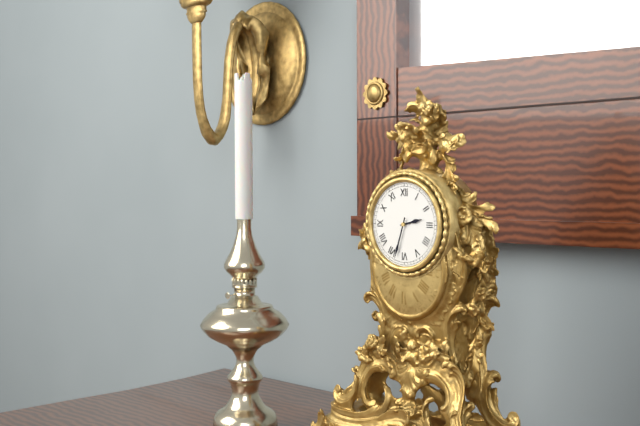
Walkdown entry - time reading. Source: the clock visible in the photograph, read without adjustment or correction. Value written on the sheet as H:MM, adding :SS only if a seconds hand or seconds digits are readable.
2:33
